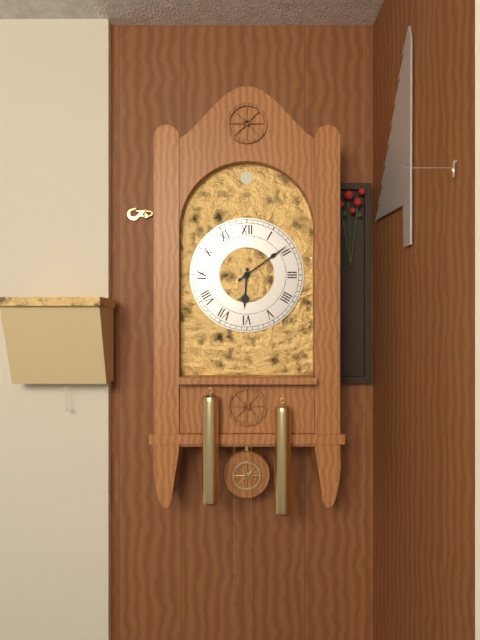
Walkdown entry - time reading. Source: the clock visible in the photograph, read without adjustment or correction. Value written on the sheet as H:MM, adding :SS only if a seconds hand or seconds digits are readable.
6:09
